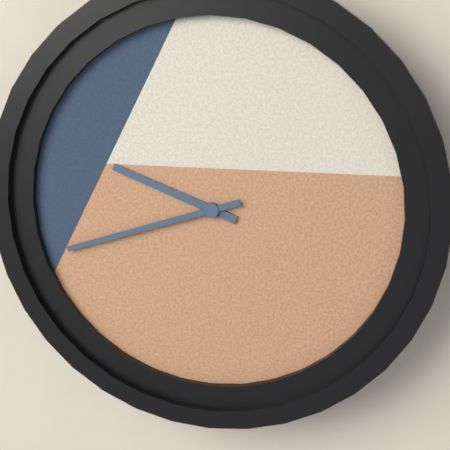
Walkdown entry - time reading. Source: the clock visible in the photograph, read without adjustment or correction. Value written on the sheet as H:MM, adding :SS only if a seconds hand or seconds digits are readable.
9:42
